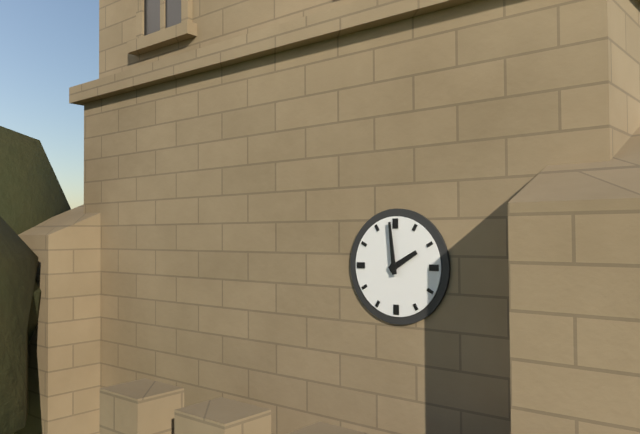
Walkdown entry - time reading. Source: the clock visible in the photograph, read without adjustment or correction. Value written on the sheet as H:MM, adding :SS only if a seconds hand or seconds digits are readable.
1:59
